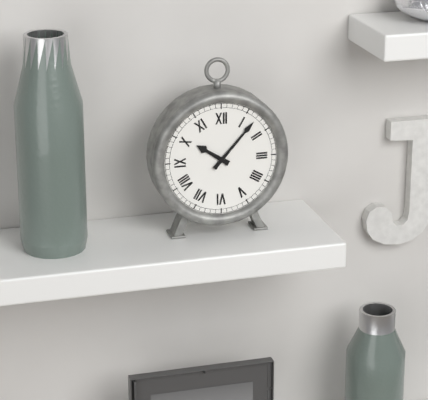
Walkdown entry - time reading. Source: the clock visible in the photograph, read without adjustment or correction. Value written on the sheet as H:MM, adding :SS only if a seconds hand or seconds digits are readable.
10:07
